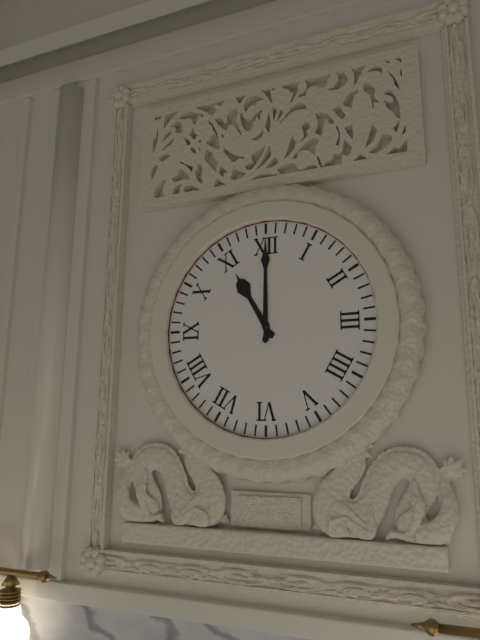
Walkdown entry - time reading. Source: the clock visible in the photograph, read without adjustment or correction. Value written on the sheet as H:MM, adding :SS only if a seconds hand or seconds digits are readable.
11:00
